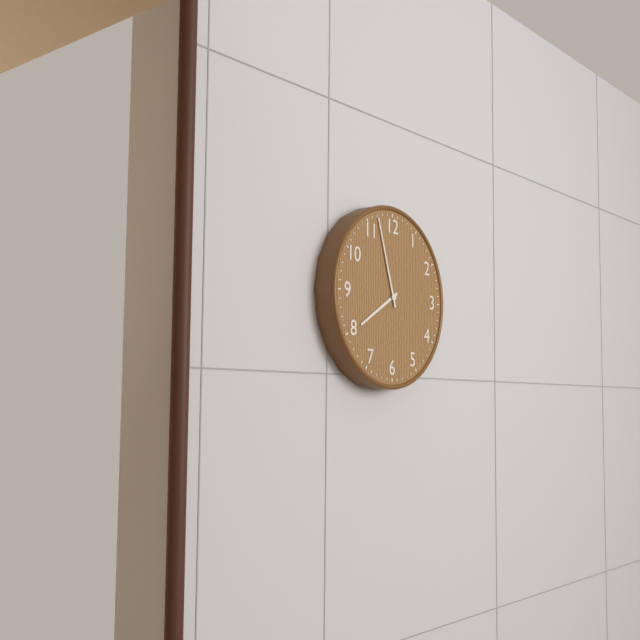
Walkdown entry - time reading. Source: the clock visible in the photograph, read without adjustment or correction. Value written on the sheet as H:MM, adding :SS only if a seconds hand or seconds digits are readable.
7:57
